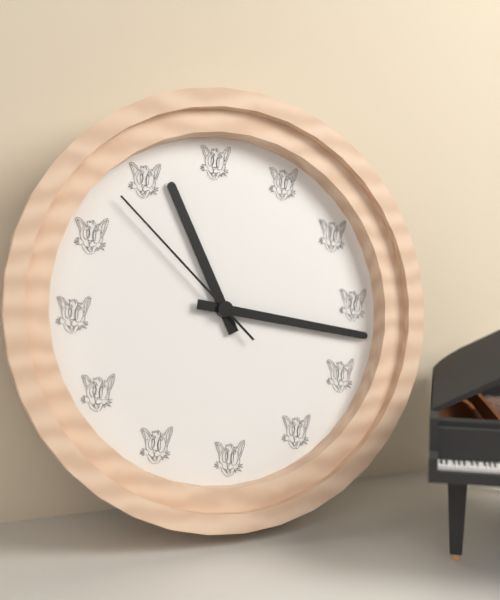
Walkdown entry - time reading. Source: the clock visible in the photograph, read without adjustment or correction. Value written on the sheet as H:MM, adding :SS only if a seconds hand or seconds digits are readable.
11:17:53
